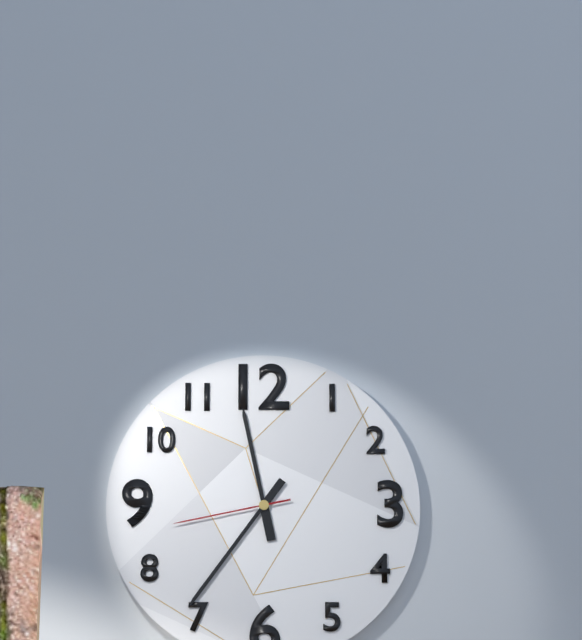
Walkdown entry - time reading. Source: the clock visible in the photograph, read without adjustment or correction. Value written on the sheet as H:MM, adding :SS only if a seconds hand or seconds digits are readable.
11:36:43
